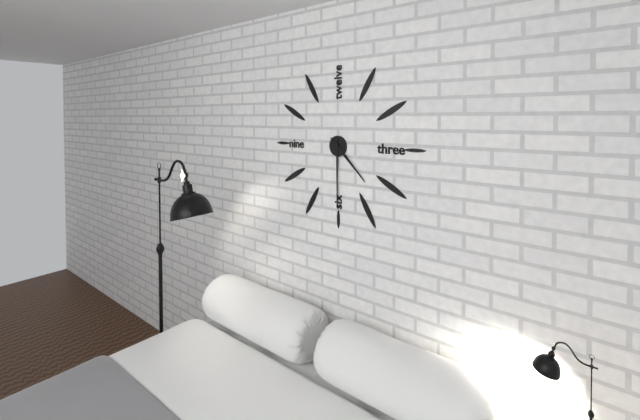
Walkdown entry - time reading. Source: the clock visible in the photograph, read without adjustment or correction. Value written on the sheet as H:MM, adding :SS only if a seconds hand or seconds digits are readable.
4:30
